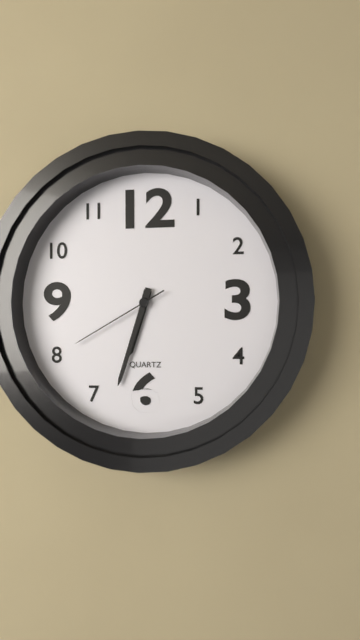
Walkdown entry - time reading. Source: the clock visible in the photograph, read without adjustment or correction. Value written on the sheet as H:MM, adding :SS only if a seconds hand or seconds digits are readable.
6:33:40
